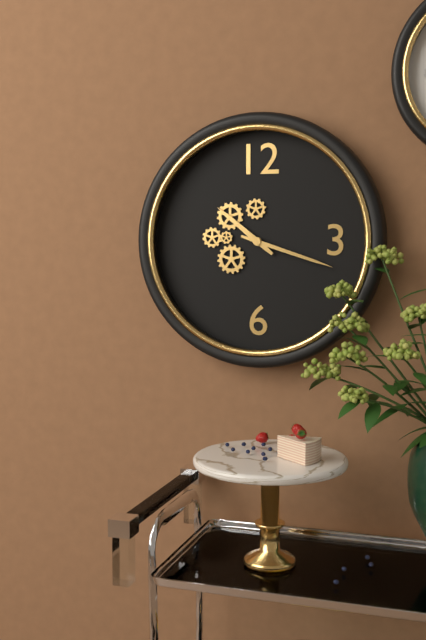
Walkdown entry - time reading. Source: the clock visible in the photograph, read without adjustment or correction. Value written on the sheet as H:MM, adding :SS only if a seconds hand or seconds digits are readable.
10:18
